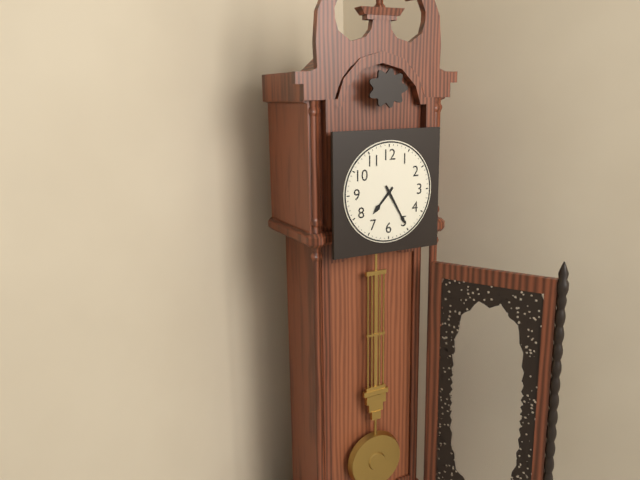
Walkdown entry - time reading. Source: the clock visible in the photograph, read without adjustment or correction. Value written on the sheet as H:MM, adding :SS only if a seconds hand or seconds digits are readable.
7:25
